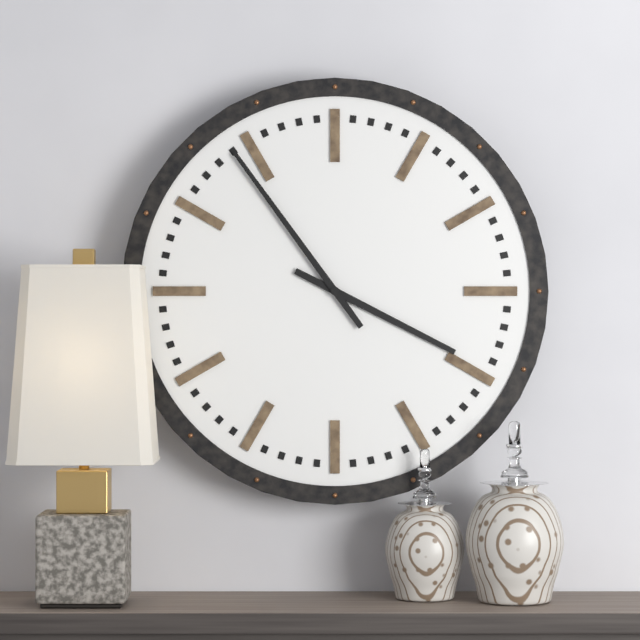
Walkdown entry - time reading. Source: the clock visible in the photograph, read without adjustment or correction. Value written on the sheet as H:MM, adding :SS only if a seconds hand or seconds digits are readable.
3:54
